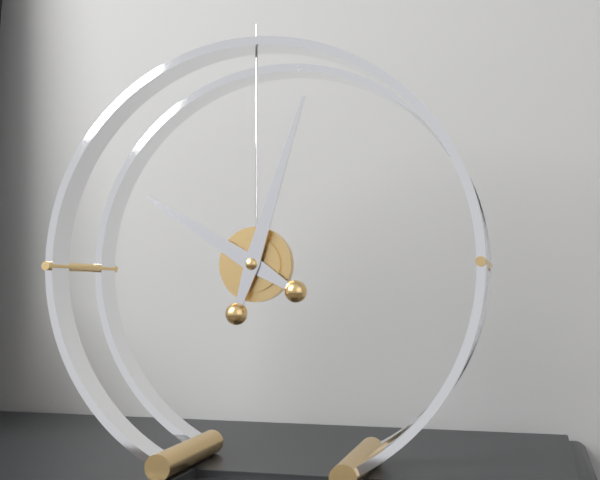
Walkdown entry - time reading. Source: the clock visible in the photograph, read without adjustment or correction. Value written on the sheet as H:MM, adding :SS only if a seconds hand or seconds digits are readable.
10:03
